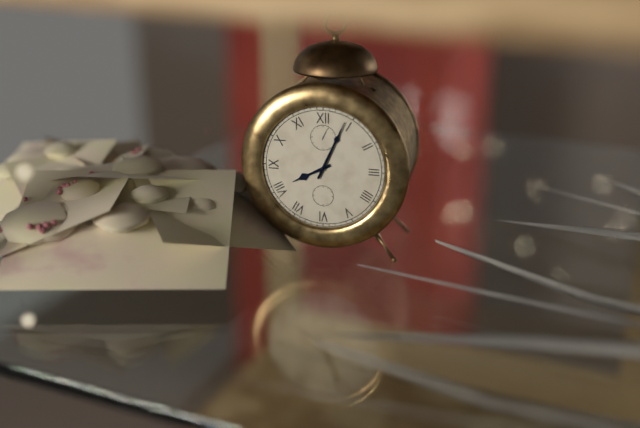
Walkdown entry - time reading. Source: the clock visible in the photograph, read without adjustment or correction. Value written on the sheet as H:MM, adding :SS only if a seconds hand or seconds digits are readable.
8:04
